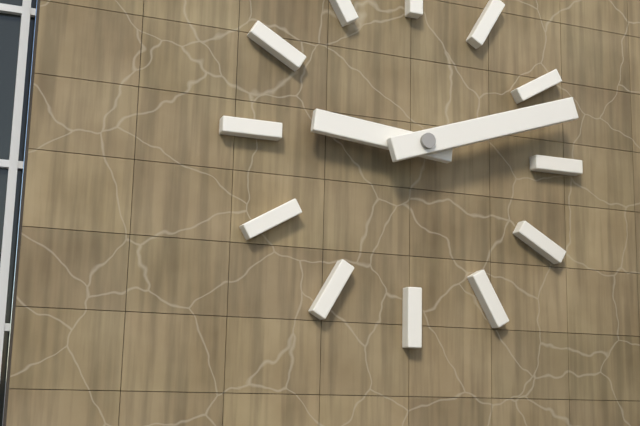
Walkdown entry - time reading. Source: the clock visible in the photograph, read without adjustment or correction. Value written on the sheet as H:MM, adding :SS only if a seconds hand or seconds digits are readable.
9:12
